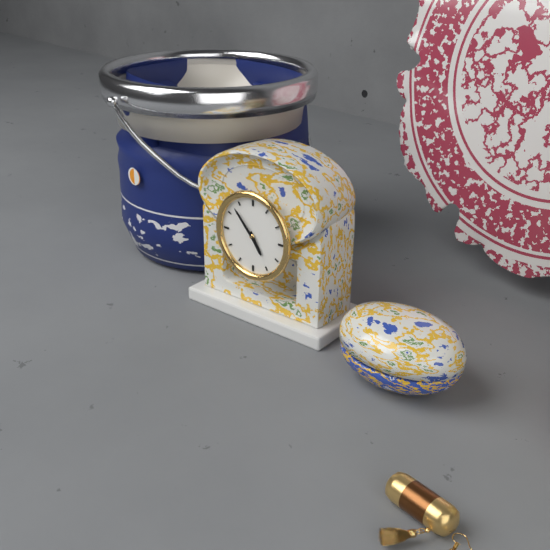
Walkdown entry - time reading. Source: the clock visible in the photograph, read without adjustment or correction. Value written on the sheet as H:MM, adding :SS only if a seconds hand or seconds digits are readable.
4:53
